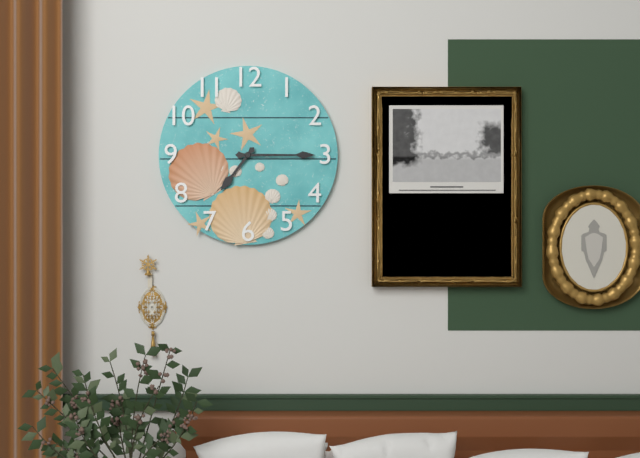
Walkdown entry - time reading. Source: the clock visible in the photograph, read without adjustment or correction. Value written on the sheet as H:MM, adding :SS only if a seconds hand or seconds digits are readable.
7:15
